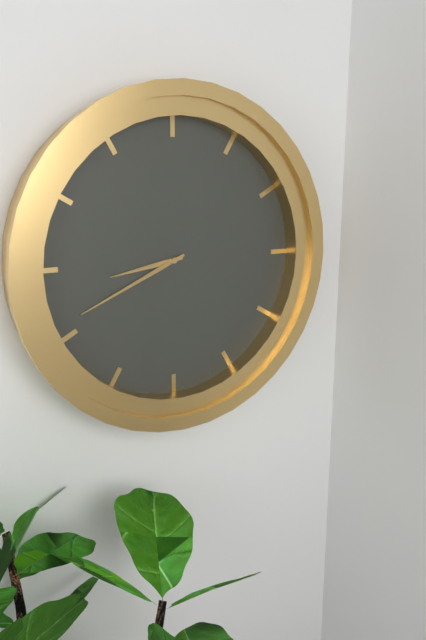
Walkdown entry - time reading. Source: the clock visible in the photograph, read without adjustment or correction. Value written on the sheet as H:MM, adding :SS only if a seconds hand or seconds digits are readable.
8:41
